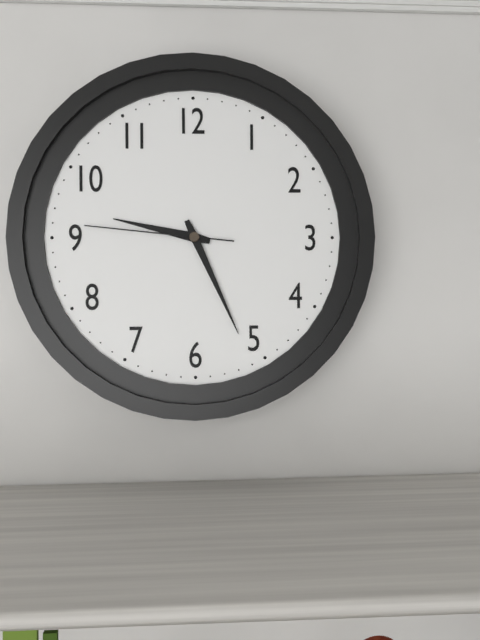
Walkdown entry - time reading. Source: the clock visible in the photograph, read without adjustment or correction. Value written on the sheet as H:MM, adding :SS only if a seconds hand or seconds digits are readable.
9:26:46
